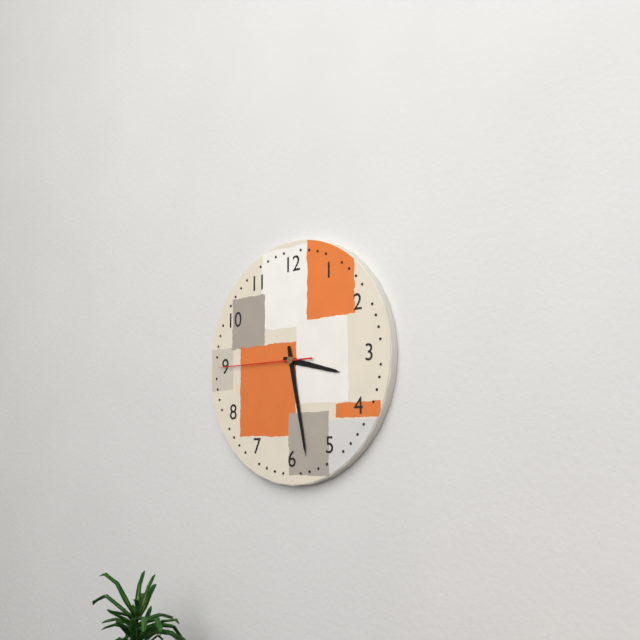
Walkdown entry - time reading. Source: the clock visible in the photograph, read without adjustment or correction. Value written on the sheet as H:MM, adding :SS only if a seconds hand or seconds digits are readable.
3:28:45
